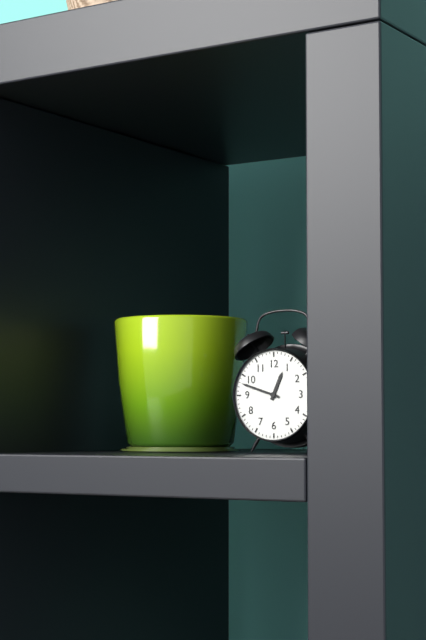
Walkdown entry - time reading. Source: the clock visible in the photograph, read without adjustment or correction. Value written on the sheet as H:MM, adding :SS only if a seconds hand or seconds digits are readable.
12:48
